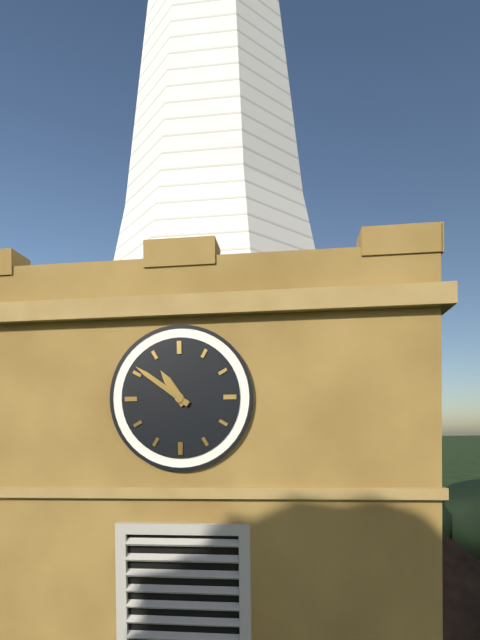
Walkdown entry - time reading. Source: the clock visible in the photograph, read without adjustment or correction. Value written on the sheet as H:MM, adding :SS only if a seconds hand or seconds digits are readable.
10:51
